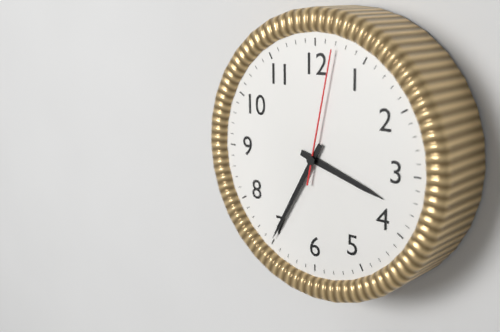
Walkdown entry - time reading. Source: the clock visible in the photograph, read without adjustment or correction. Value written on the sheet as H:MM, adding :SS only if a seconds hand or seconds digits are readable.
3:35:02
